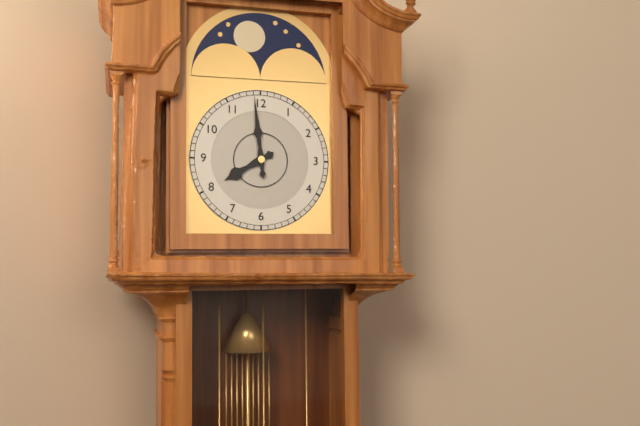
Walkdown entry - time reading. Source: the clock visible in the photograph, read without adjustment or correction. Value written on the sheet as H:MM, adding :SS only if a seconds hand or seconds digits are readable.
7:59
